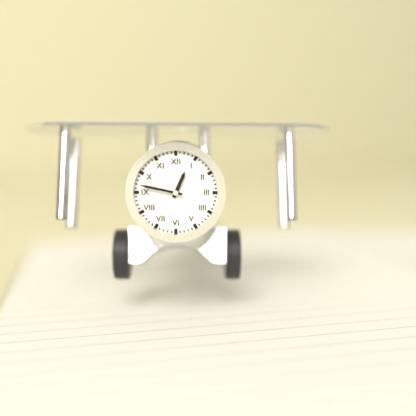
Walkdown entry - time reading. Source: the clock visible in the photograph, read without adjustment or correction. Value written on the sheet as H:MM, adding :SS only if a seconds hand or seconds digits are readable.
12:47
